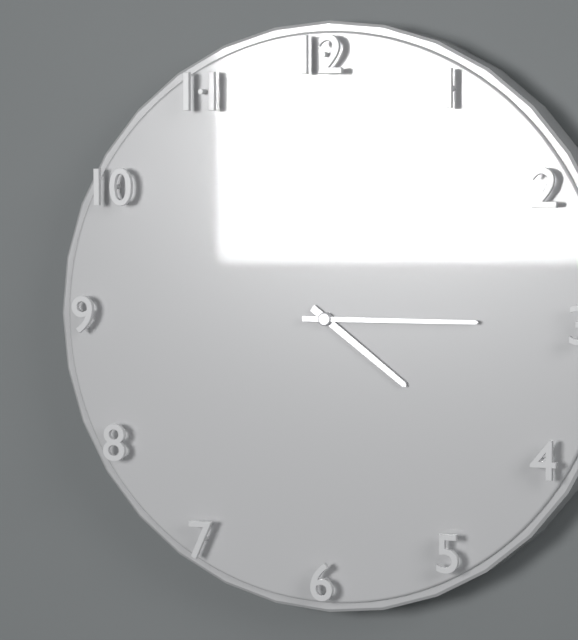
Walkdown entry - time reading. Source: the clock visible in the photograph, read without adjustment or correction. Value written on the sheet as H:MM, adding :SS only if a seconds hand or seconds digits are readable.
4:15
